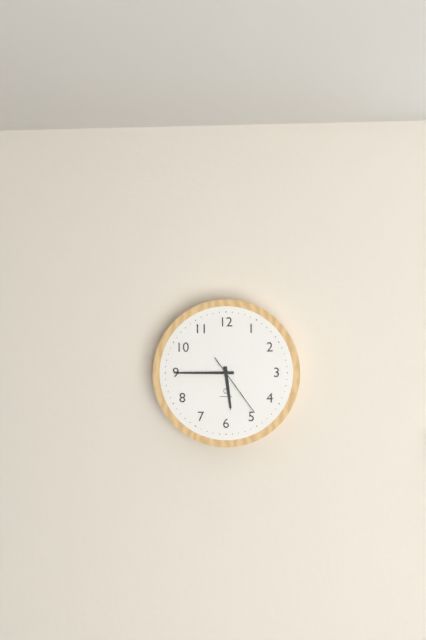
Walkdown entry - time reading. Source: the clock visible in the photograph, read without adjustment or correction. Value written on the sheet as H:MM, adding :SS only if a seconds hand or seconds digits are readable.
5:45:24
